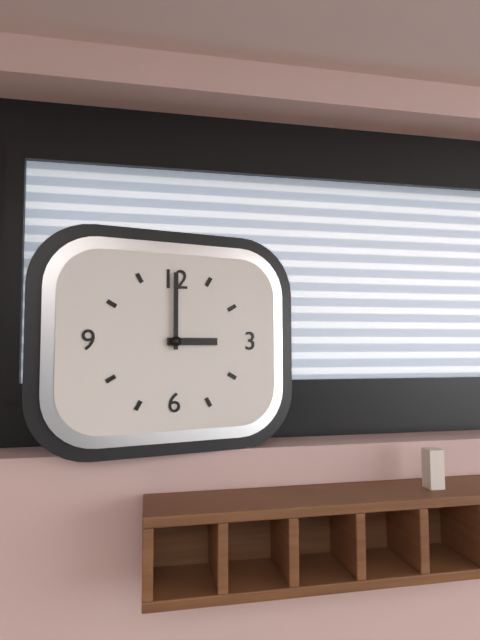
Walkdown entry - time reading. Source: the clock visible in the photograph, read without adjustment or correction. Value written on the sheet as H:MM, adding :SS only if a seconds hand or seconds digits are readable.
3:00
